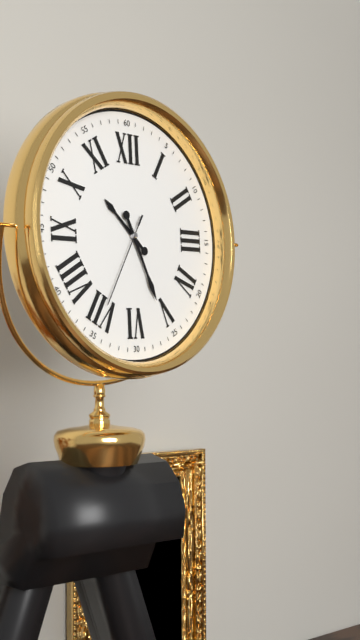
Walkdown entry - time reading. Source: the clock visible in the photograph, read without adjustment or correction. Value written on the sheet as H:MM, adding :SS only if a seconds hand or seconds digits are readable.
10:26:35
